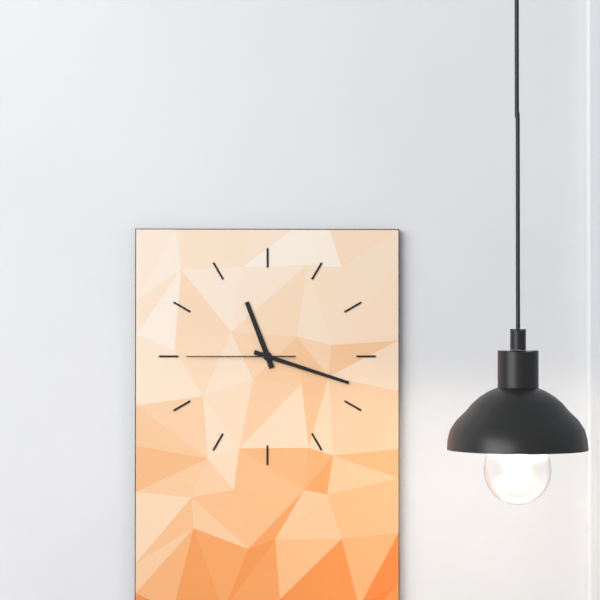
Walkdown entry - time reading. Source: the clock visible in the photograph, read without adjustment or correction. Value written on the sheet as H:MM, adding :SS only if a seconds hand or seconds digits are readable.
11:18:45
